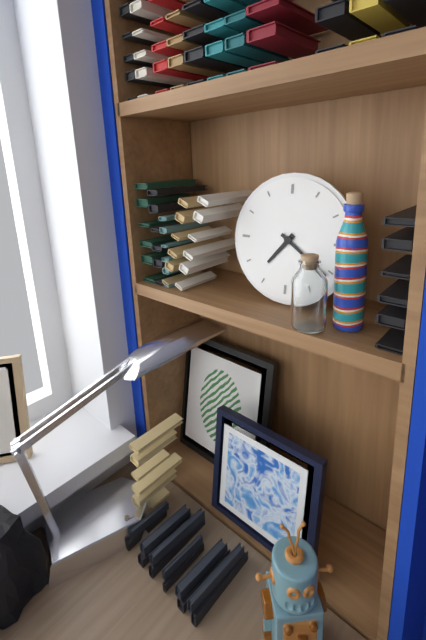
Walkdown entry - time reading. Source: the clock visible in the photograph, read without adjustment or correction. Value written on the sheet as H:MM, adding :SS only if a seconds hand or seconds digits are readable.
7:21
